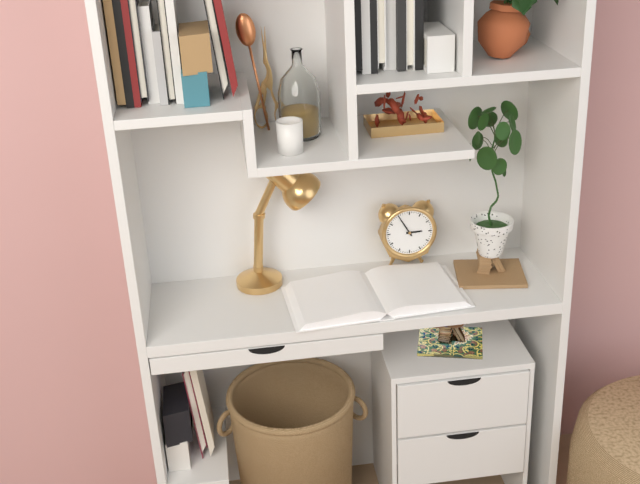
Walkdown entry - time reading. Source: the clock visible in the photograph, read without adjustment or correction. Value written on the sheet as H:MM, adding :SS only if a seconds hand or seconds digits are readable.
2:55
